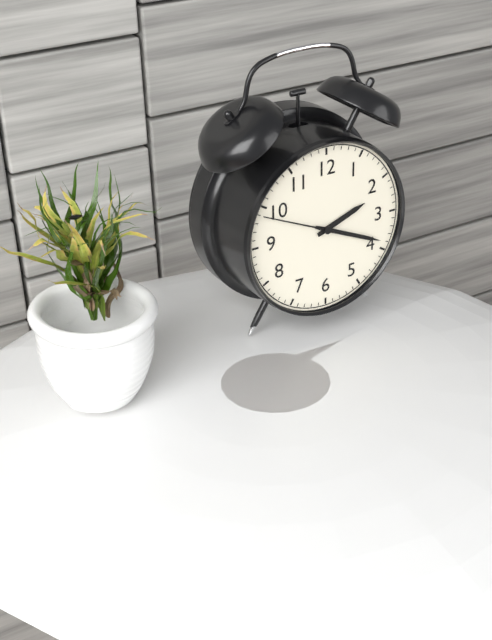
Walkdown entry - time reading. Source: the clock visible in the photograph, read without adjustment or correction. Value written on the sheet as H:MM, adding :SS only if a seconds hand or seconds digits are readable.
2:19:49
